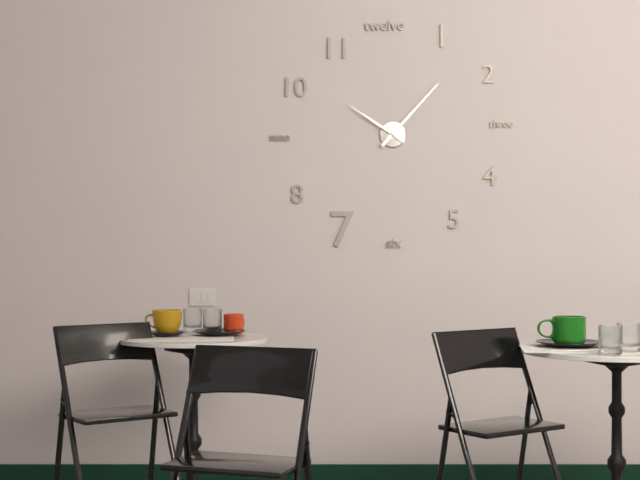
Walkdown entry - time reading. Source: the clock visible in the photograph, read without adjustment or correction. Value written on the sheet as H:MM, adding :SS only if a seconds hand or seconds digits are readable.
10:07
